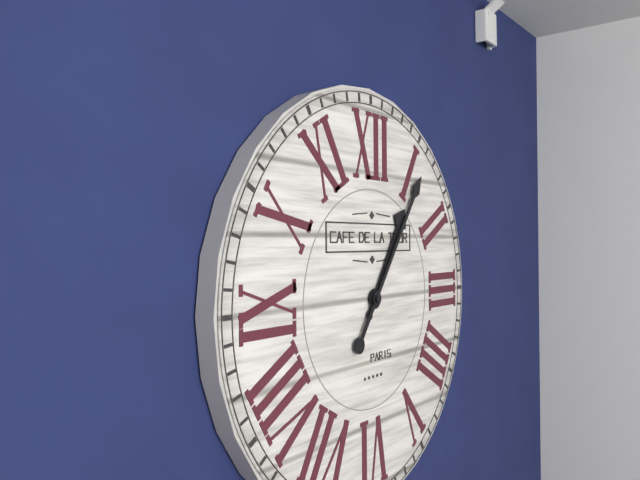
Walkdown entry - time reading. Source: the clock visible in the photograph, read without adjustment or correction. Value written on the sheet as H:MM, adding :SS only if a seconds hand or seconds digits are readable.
1:06
